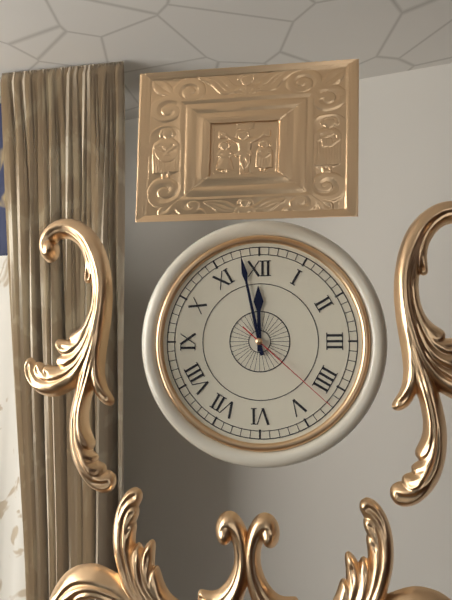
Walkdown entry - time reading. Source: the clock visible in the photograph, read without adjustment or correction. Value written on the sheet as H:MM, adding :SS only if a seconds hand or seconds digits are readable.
11:58:22
